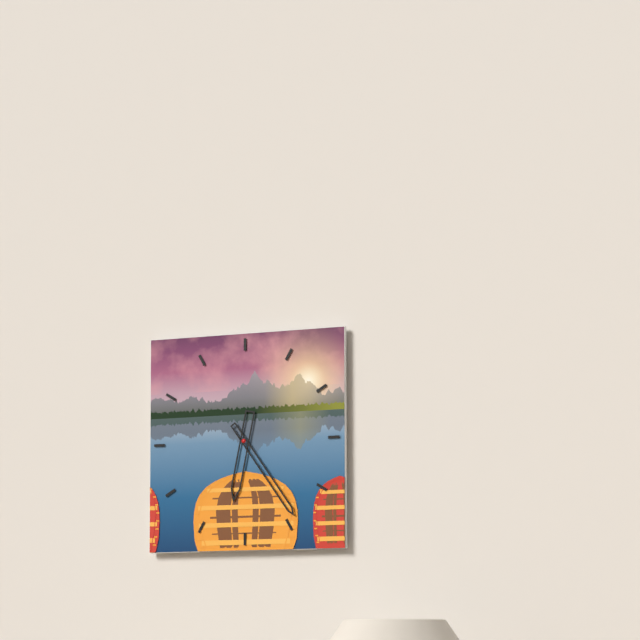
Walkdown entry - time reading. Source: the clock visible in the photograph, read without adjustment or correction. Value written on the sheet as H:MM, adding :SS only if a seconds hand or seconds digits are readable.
6:24
